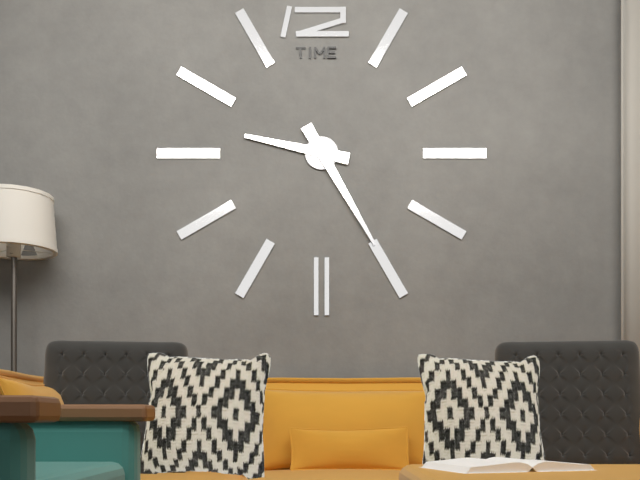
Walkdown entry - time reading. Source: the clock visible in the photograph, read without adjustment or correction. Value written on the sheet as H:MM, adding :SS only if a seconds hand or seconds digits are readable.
9:25
